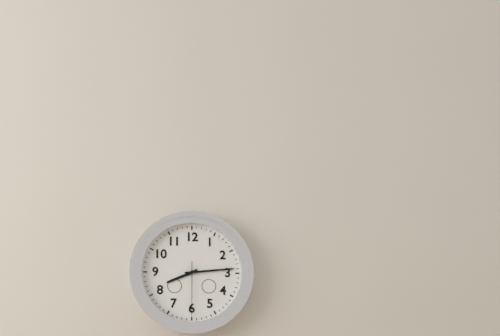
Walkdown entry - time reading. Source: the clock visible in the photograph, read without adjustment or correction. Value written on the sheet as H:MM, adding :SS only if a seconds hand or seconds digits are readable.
8:14:30
